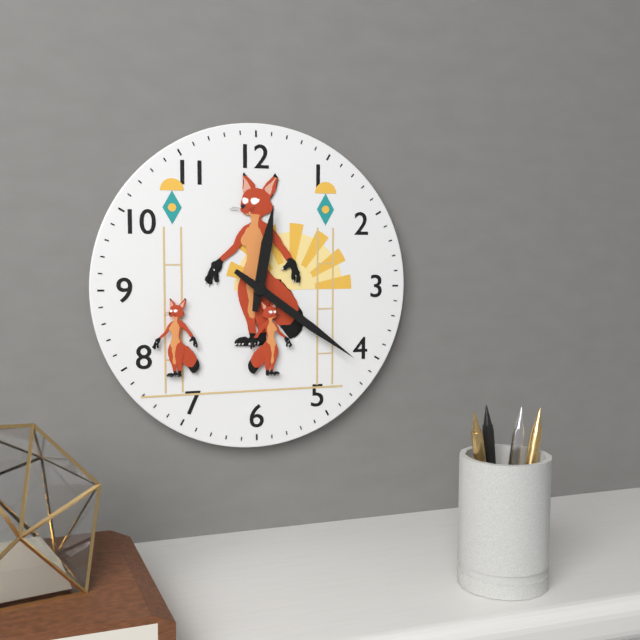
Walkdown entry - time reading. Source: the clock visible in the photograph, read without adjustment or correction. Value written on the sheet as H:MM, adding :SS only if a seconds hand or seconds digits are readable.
12:21
